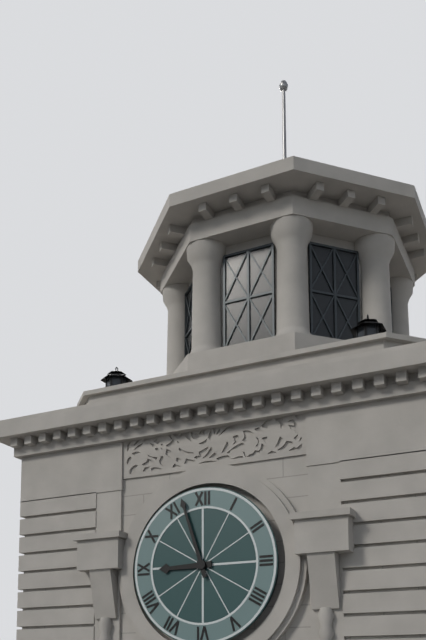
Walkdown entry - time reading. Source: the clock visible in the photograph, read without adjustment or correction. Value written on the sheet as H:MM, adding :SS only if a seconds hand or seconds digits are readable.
8:57
